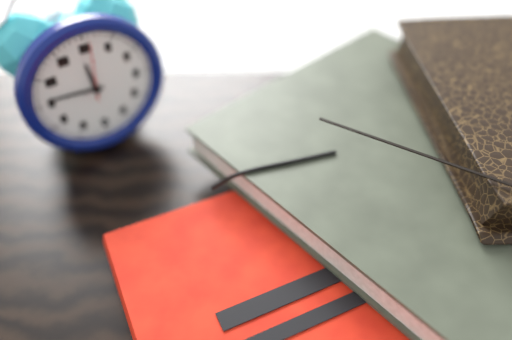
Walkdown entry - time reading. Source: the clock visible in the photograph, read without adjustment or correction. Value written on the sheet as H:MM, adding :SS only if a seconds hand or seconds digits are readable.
11:46:01
